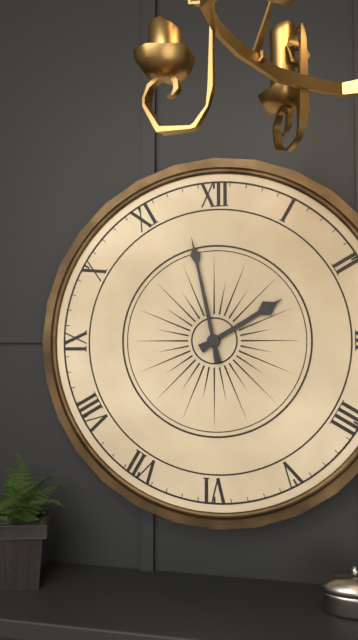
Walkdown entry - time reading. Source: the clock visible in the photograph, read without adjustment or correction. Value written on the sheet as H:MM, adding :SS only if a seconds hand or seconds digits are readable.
1:58
